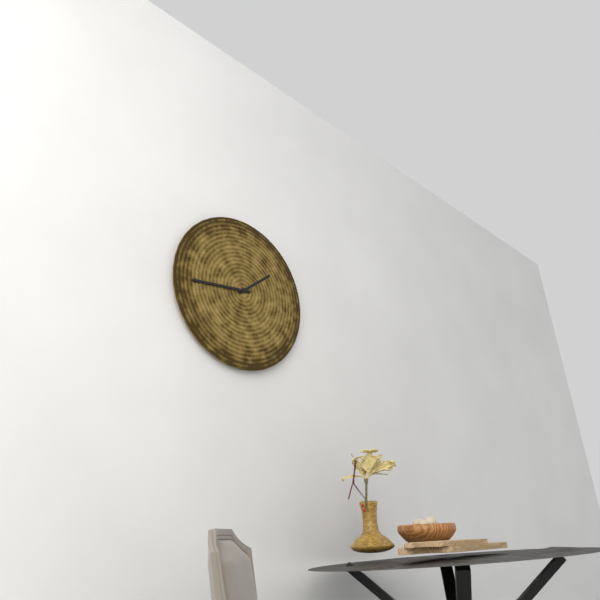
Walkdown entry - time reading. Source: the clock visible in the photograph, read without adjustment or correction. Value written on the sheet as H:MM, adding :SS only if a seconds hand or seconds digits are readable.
1:44
